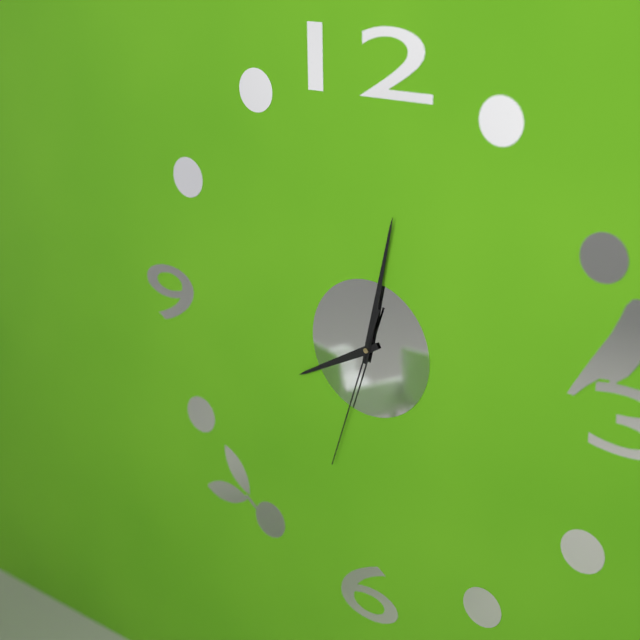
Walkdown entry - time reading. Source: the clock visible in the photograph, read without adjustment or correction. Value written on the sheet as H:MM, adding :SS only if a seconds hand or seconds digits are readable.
8:02:33
